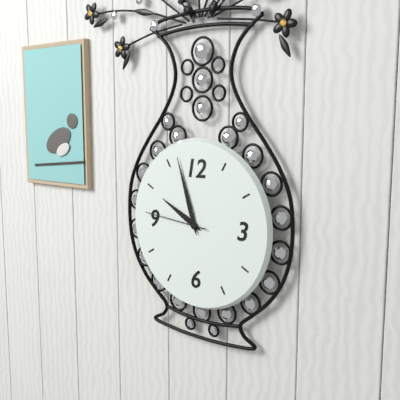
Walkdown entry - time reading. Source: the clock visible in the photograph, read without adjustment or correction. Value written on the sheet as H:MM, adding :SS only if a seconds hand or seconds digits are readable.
9:57:46
